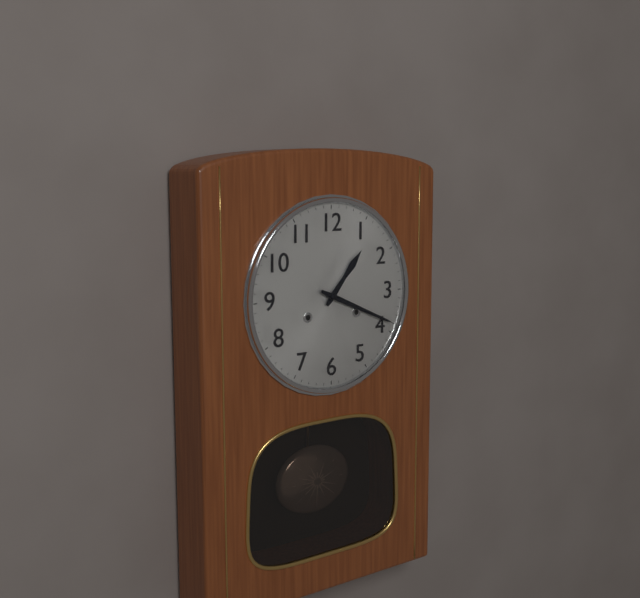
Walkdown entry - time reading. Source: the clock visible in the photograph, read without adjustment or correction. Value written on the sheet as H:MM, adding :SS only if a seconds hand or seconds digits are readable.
1:19
